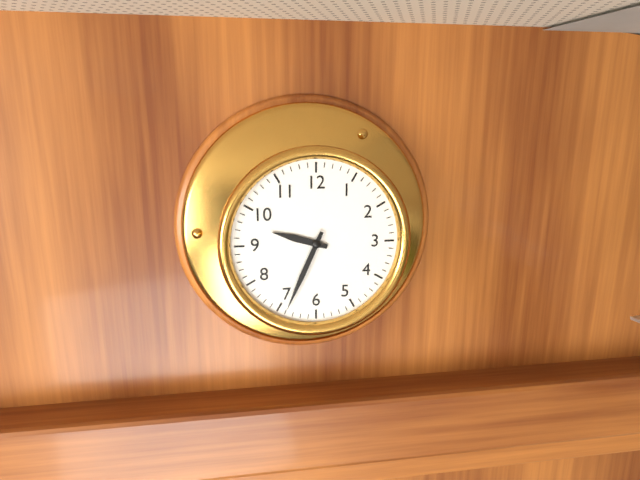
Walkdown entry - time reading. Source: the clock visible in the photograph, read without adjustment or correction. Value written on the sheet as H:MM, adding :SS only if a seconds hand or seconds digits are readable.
9:34
